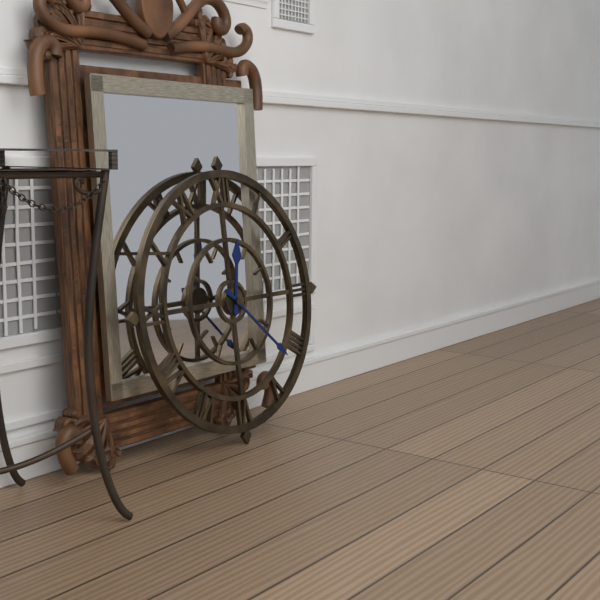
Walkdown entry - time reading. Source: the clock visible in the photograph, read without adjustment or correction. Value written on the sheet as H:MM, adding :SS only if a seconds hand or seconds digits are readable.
12:22
